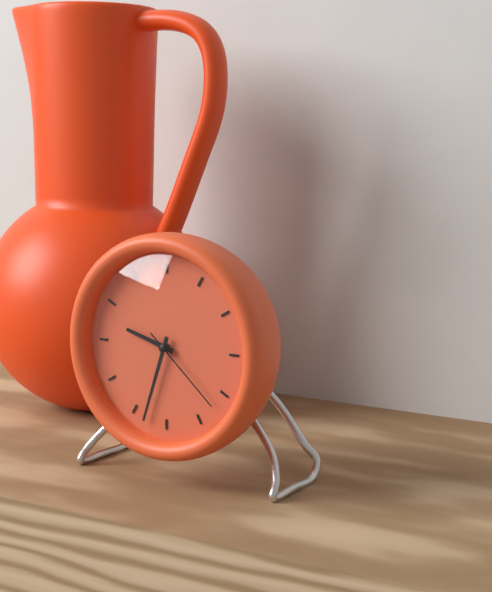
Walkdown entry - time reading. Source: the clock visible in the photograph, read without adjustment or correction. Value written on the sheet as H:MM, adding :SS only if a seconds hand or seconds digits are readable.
9:33:22
